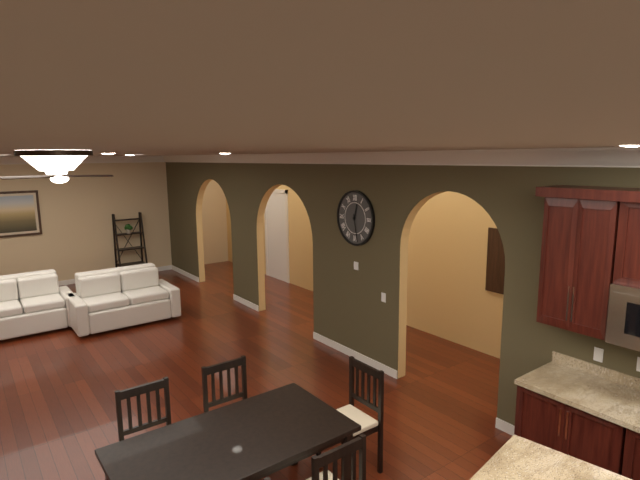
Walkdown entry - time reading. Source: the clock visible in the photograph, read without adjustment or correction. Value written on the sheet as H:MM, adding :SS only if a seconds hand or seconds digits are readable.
12:28
